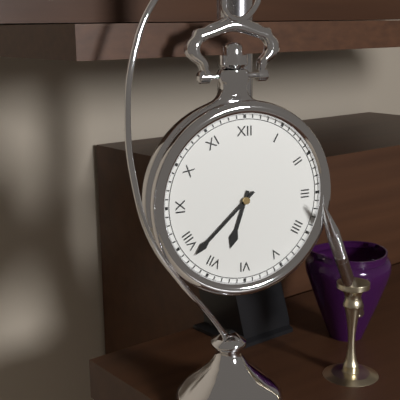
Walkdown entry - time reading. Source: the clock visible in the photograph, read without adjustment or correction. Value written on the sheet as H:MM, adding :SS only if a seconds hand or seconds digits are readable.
6:38
